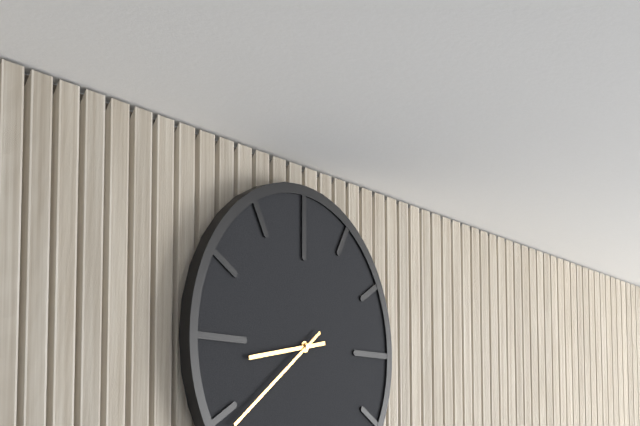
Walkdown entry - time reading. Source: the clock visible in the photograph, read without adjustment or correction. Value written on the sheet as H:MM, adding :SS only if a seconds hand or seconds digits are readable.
8:39
